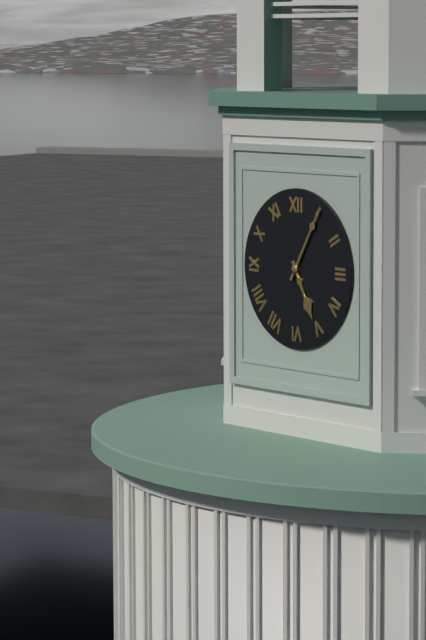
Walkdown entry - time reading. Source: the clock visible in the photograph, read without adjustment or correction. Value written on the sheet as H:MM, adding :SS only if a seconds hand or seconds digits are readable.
5:05
